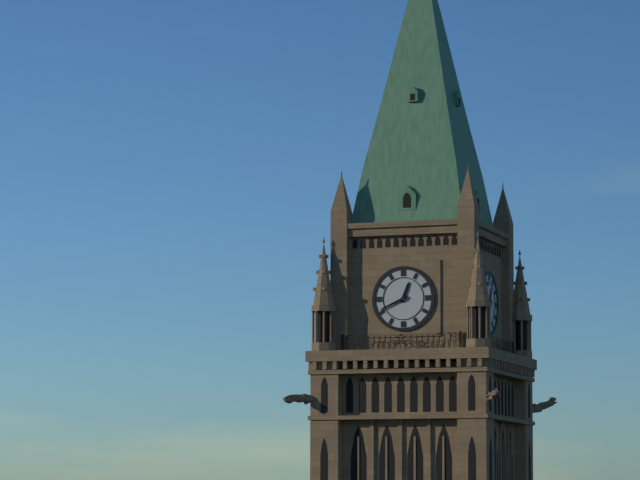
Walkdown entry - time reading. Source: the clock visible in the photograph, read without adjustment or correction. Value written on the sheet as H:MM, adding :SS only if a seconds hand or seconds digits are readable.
12:41
